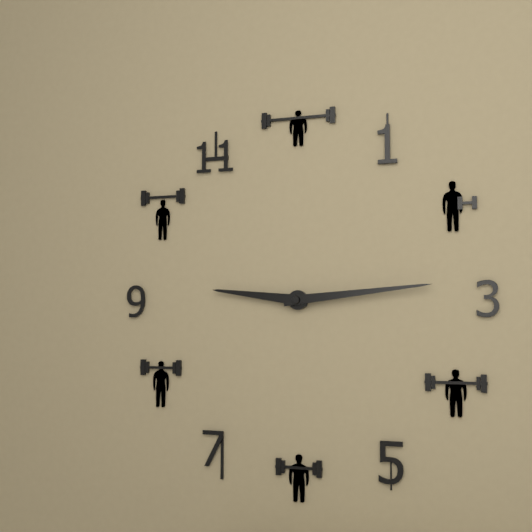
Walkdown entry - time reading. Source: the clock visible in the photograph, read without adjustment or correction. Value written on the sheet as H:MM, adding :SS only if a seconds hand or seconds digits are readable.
9:14
